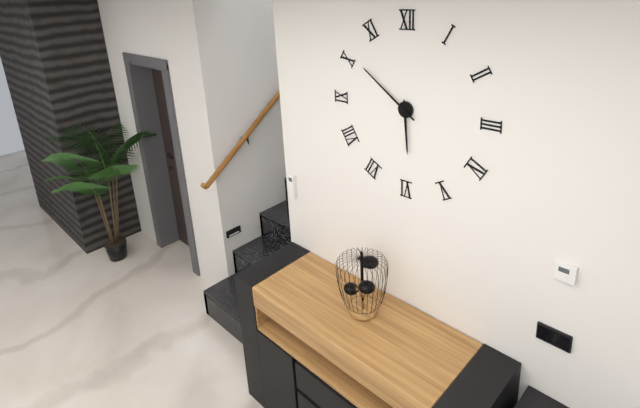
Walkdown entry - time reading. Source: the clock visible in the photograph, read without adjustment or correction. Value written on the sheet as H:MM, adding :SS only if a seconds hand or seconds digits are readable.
5:51
